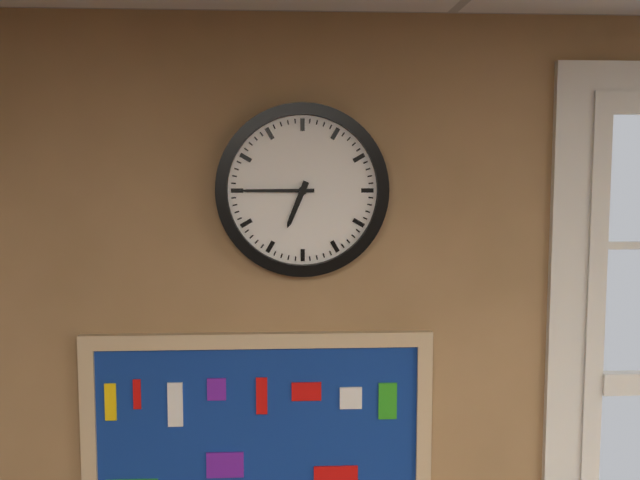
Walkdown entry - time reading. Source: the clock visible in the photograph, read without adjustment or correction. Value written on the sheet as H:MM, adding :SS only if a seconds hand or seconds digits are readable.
6:45
